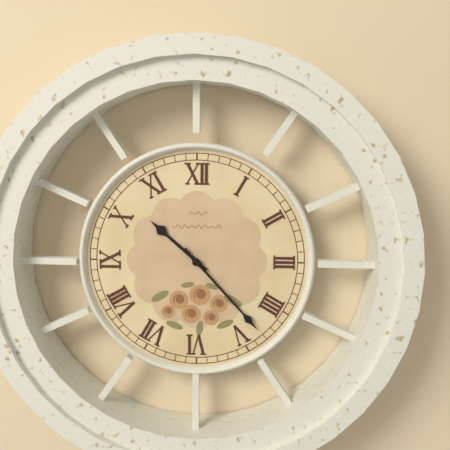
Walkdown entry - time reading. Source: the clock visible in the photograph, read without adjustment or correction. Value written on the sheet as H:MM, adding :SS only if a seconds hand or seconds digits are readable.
10:23
